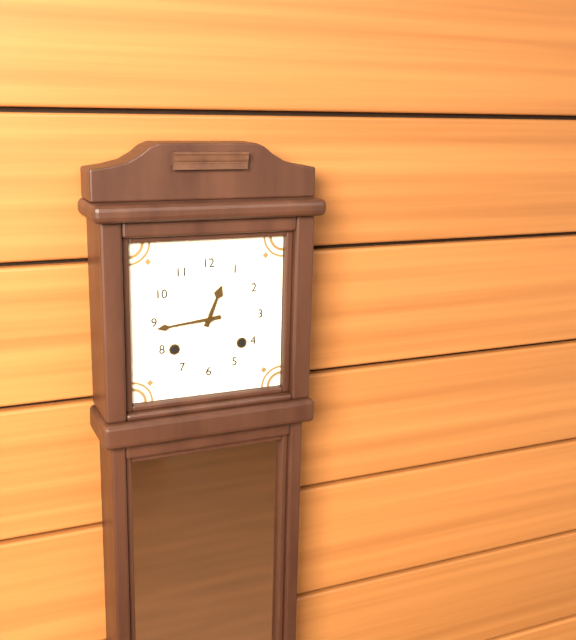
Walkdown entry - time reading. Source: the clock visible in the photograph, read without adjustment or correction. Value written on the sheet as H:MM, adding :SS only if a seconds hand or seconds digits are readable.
12:44
